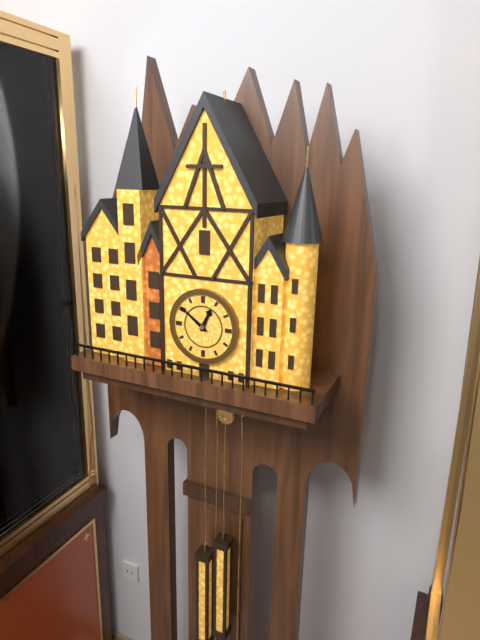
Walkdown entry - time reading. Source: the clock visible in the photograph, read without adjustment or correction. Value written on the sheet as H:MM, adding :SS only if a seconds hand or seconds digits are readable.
12:51
